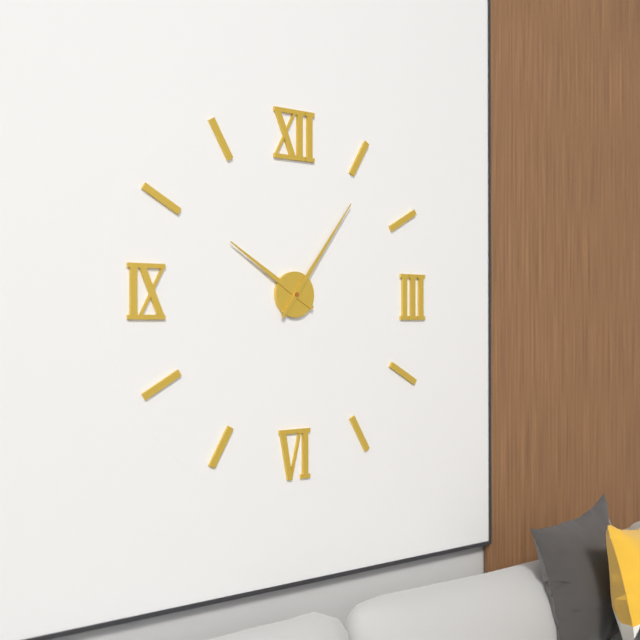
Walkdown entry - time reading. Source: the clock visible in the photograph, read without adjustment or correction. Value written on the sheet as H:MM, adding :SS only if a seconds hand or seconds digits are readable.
10:06
